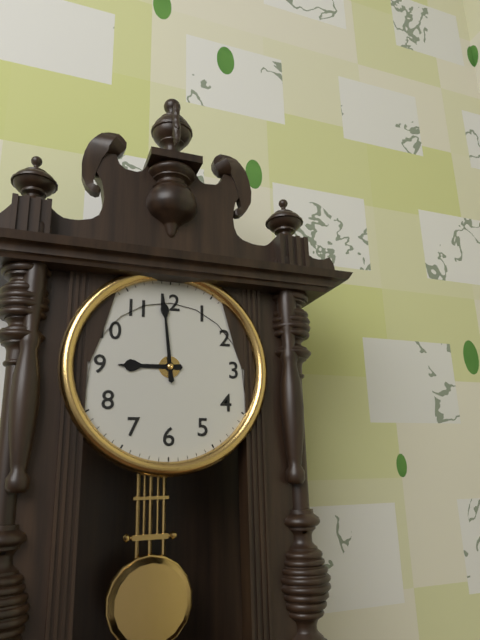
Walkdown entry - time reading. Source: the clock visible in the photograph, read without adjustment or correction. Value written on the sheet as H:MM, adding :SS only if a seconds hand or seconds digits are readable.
8:59
